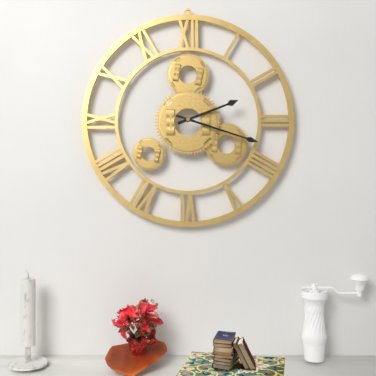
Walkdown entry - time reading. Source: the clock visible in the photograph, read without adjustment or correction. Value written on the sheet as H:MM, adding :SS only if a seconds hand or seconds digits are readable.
2:18
